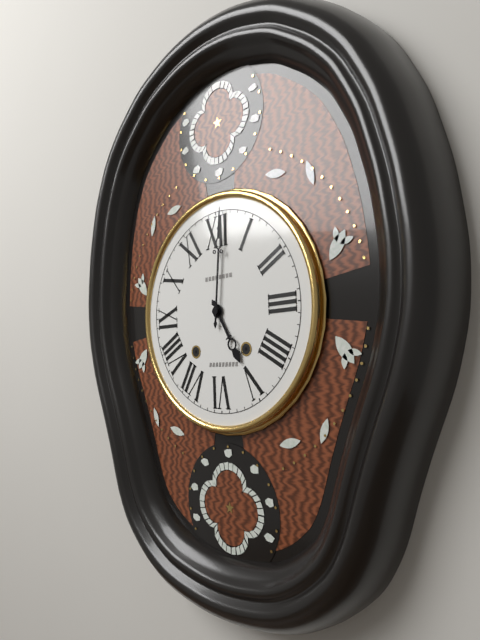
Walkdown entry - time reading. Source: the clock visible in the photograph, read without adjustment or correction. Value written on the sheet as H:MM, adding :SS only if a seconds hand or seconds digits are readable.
5:01
